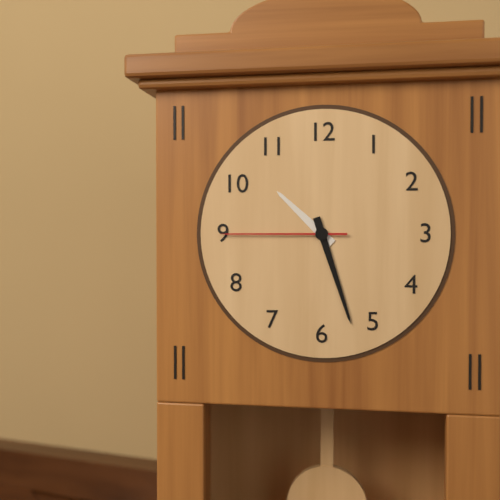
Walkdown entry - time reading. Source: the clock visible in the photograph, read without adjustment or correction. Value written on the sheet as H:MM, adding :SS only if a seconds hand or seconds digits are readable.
10:27:45
